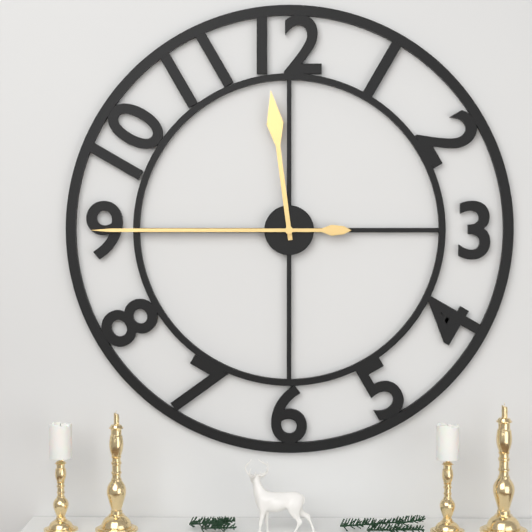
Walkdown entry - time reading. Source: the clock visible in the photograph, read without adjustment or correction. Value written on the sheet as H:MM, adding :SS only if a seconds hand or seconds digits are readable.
11:45
